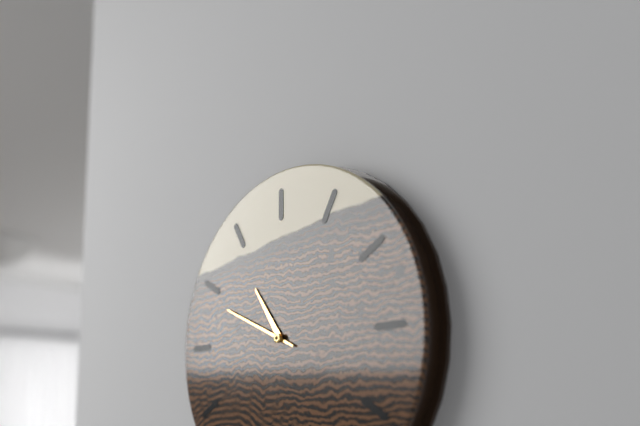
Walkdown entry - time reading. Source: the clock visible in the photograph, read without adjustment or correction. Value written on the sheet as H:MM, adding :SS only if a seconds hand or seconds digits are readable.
10:49
